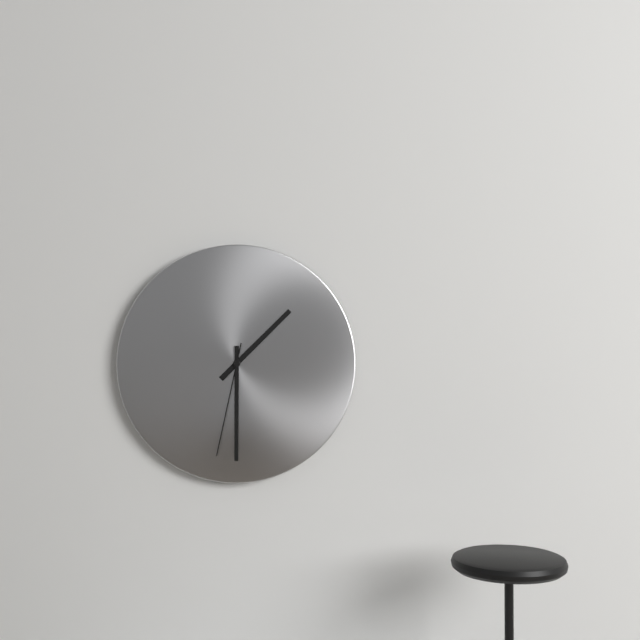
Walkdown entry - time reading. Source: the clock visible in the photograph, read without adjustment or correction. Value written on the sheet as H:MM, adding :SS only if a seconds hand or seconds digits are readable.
1:30:32
